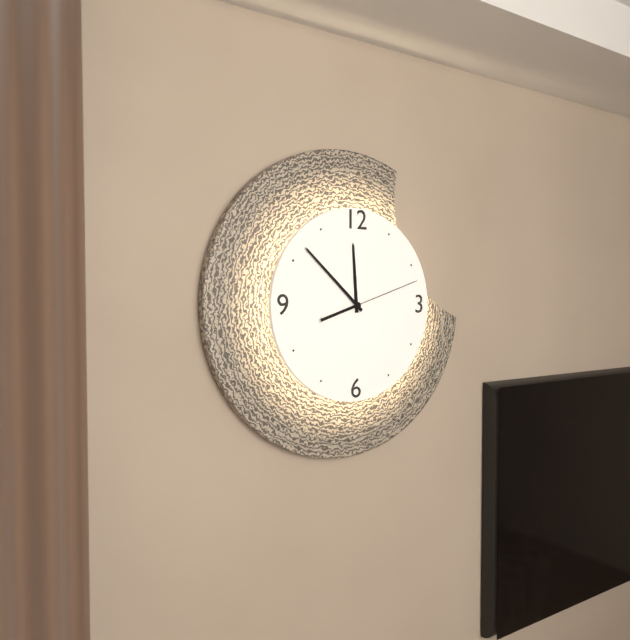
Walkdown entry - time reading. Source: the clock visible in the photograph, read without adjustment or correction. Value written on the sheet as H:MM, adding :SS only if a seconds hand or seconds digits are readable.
11:52:12
